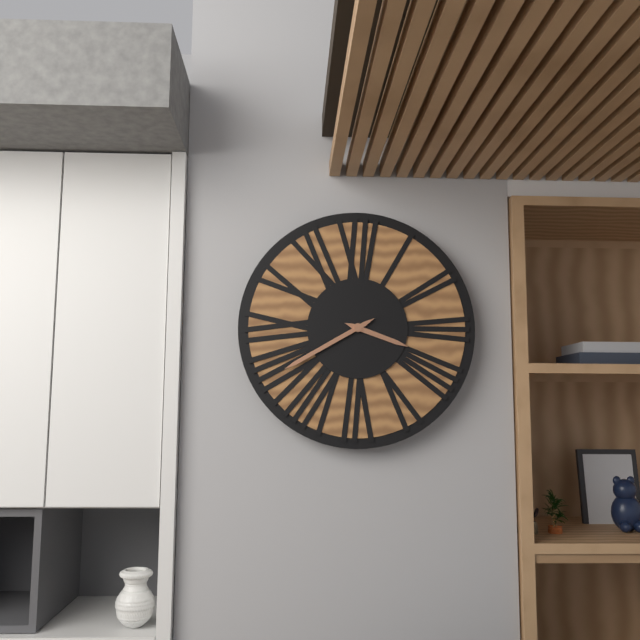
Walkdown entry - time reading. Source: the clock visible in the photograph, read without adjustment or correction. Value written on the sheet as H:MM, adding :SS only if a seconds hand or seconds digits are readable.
3:40
